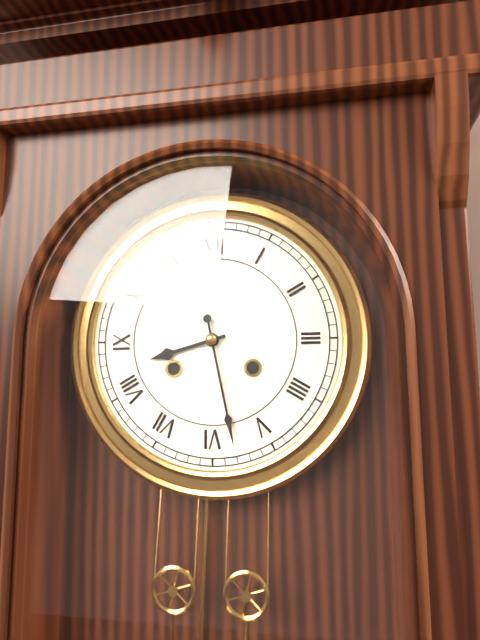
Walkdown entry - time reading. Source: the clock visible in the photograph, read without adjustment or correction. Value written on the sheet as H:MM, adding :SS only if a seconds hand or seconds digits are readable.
8:28
